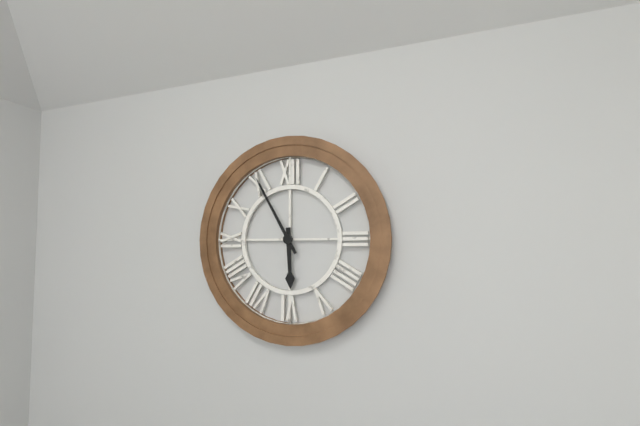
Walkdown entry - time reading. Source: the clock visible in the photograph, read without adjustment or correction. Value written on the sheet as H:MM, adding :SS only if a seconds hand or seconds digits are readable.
5:55
